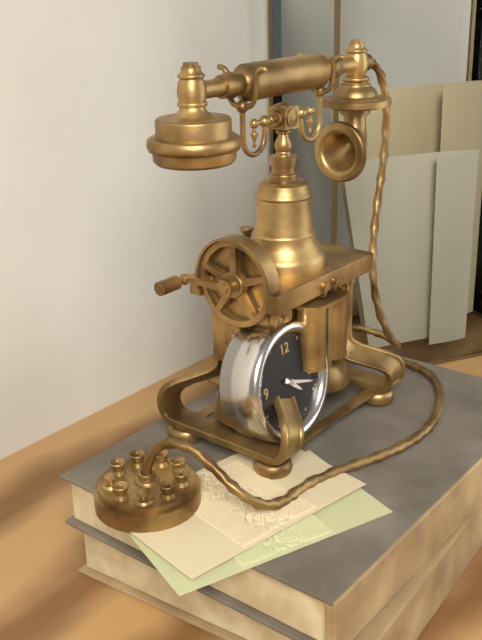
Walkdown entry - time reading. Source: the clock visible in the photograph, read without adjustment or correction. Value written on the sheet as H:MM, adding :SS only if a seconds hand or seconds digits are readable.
4:18
